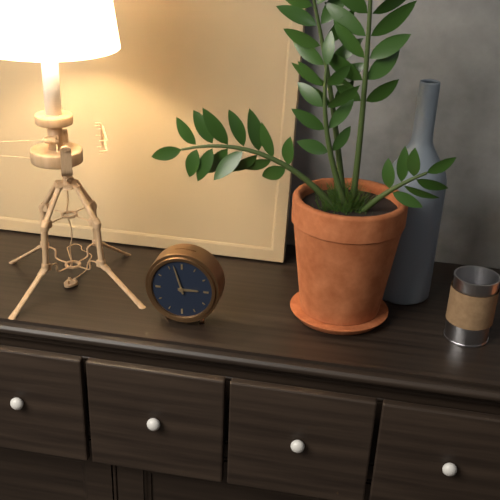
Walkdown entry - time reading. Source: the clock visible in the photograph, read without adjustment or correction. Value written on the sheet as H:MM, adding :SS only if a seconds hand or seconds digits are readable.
2:57
